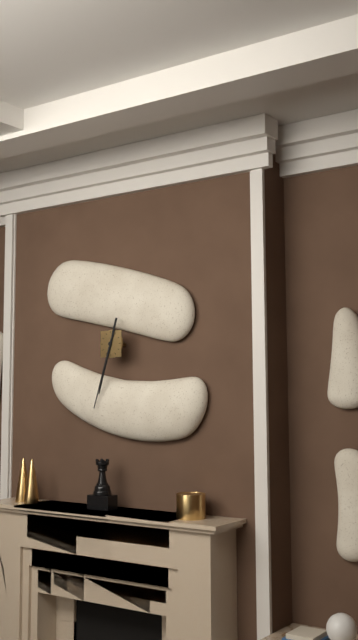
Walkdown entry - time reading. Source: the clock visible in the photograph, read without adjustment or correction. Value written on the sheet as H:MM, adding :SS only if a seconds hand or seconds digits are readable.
6:33
